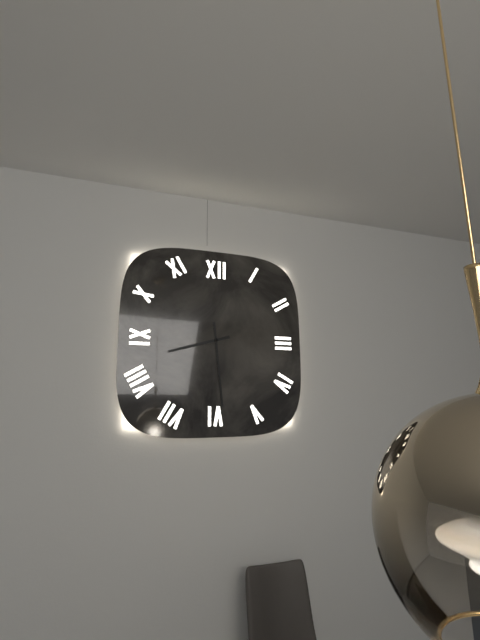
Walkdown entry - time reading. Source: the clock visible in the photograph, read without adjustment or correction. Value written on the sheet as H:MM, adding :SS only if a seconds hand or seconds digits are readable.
8:29
